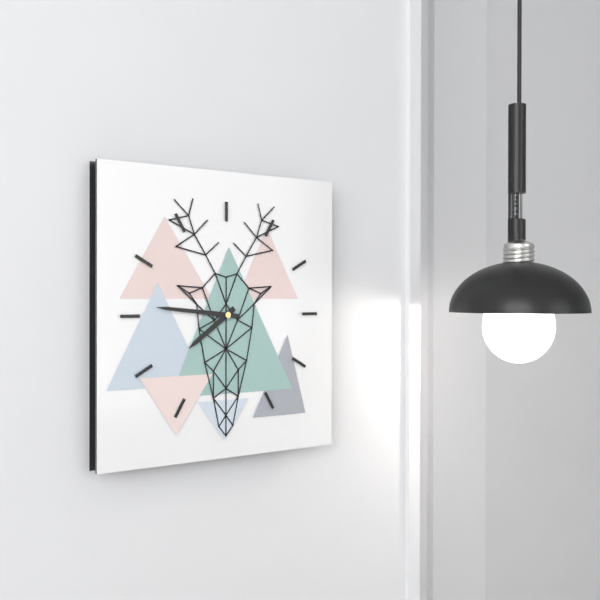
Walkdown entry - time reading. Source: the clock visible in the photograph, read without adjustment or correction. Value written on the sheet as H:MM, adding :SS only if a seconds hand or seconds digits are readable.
7:46
